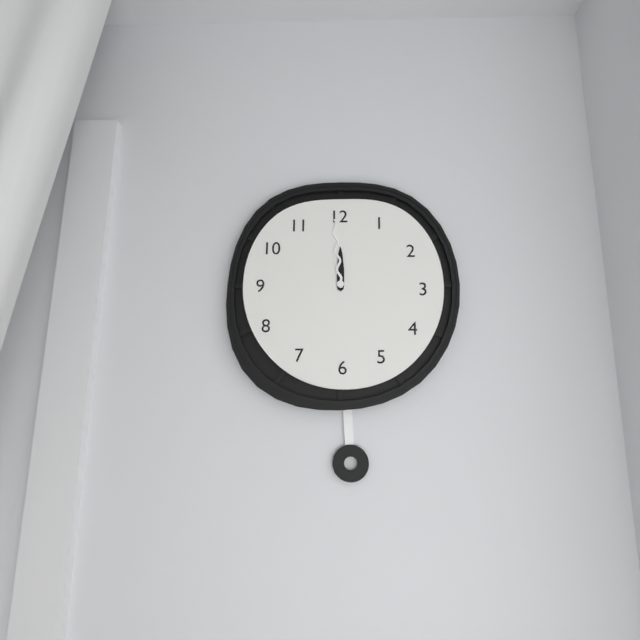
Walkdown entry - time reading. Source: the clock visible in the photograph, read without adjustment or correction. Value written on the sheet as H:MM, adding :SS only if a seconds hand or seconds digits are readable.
11:59
